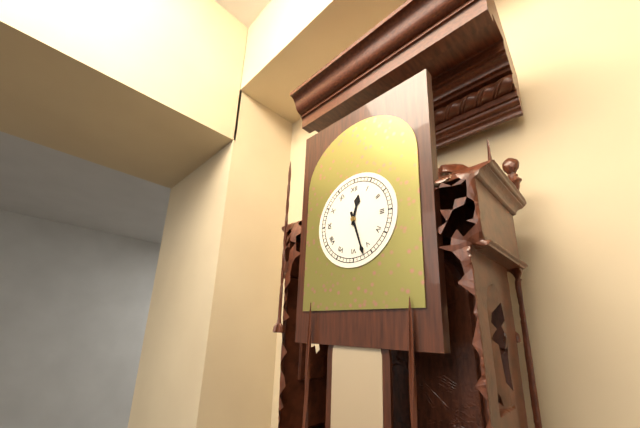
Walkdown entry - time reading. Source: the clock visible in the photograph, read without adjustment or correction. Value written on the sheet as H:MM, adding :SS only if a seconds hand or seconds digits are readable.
12:27
